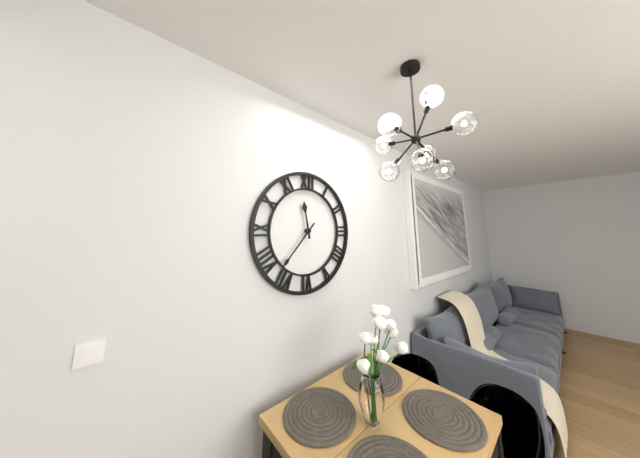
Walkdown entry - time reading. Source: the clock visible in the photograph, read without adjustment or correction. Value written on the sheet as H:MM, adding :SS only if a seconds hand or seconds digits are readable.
11:37
